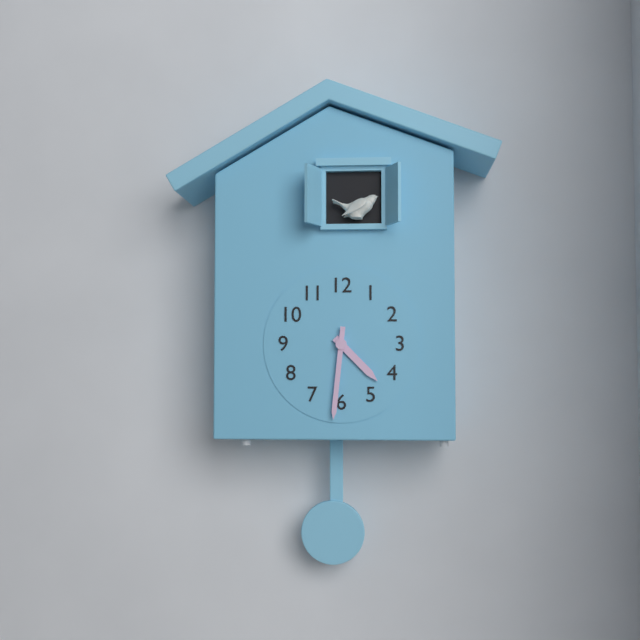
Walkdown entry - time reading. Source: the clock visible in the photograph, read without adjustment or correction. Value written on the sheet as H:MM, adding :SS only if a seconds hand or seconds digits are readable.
4:31
